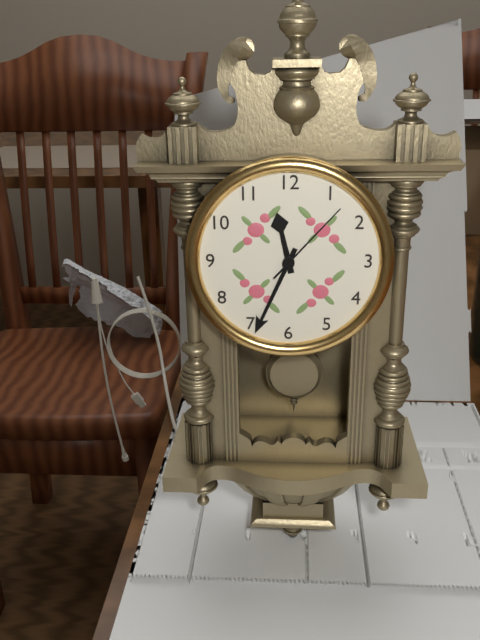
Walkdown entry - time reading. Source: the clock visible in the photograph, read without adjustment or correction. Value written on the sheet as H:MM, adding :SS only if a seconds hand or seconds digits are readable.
11:34:07
